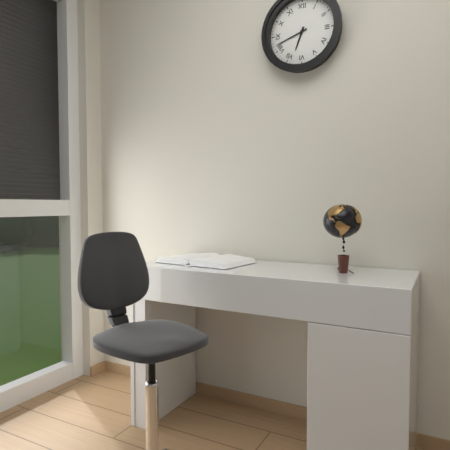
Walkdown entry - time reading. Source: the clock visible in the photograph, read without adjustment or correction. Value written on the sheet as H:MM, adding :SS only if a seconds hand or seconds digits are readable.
6:42
